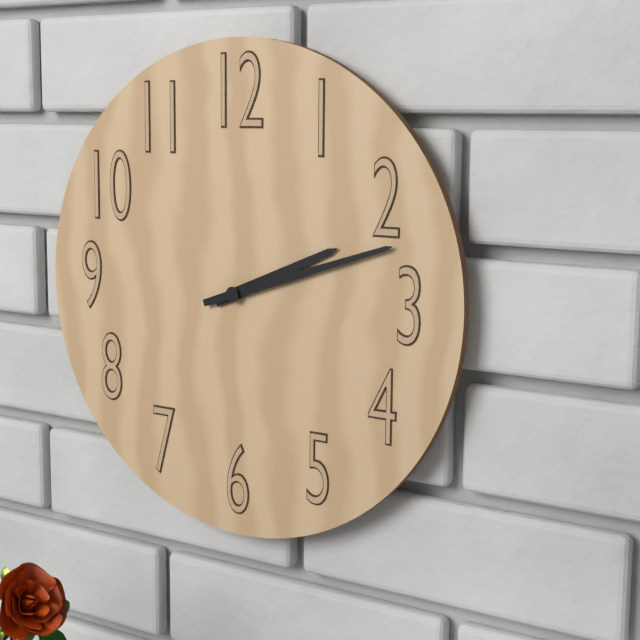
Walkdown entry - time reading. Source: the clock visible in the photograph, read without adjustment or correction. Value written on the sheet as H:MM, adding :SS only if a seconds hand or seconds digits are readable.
2:12
